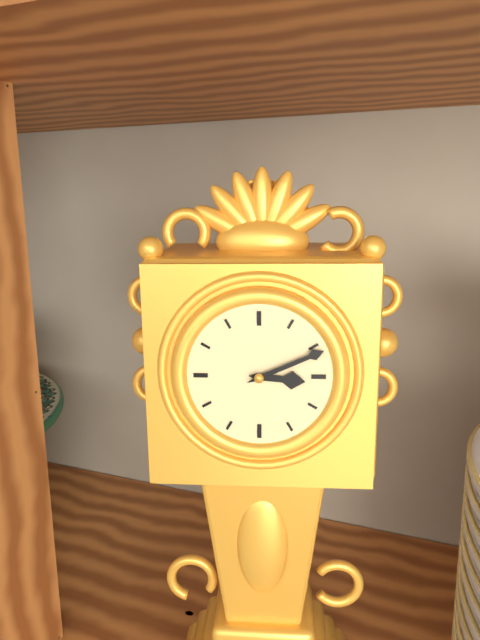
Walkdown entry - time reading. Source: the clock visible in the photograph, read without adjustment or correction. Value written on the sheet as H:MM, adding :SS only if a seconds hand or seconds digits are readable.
3:11
